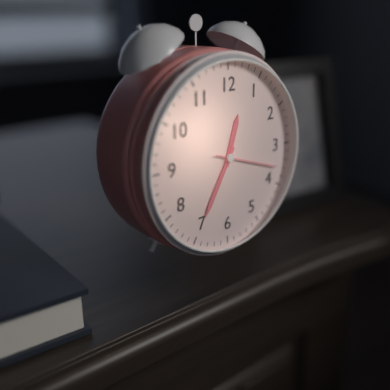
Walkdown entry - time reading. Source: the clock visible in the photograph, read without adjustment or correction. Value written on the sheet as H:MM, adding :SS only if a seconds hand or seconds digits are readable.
12:35:18
